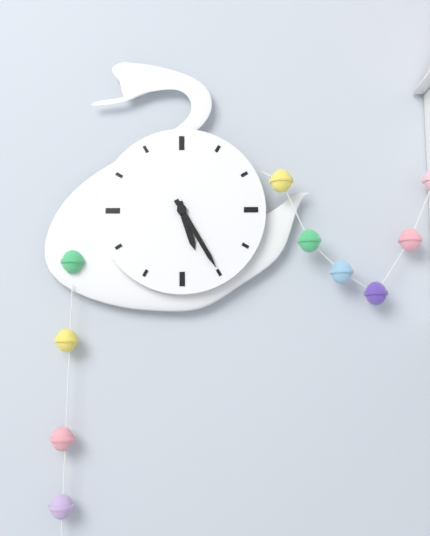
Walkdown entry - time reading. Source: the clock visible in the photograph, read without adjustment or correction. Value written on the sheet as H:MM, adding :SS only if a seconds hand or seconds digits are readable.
5:25
